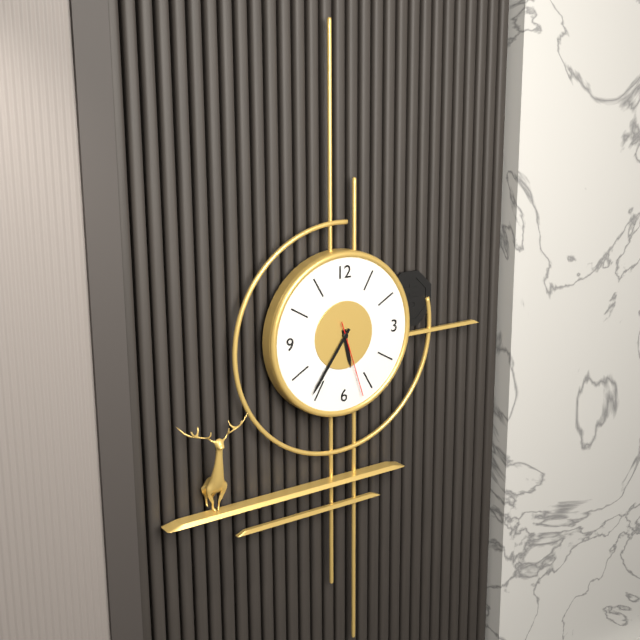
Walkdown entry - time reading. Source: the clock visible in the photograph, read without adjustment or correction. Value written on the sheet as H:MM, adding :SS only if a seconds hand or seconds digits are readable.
5:36:27
